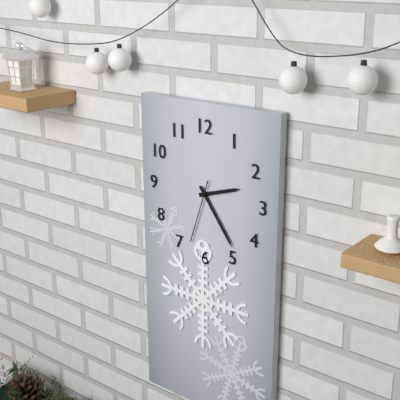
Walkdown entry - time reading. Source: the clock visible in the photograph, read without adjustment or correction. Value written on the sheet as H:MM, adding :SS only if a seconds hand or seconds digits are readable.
2:24:33
